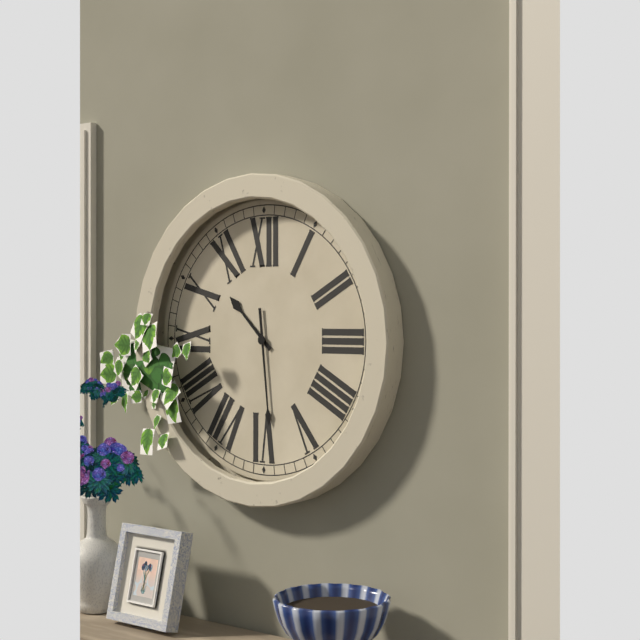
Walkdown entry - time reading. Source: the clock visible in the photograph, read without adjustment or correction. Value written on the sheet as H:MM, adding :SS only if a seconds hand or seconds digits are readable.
10:29
